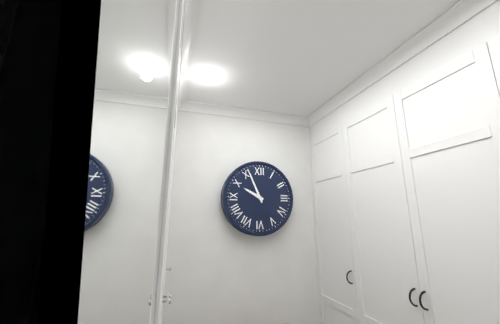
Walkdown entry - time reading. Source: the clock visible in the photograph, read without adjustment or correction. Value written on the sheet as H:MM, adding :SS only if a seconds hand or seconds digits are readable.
9:56
